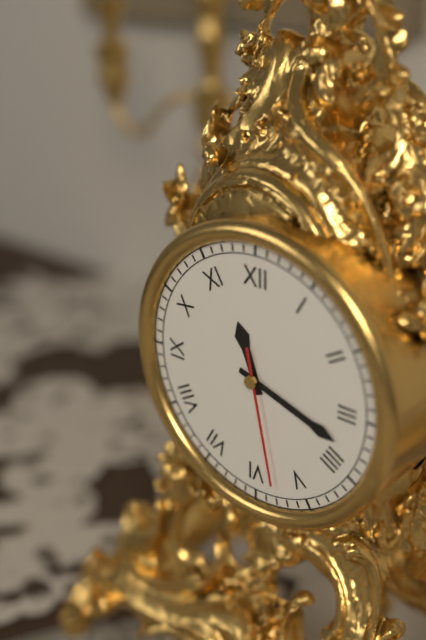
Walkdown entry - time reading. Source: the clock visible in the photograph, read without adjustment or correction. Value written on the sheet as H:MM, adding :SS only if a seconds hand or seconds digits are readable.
11:18:28
